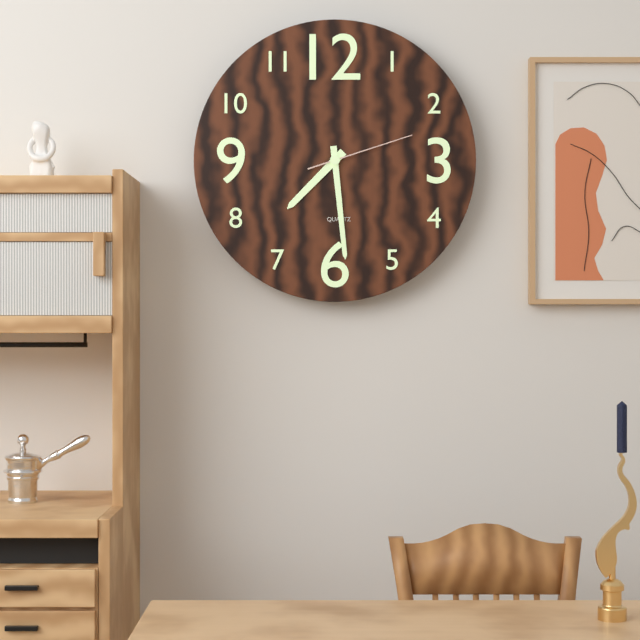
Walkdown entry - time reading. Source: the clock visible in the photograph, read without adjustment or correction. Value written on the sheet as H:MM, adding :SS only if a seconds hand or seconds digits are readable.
7:29:12
